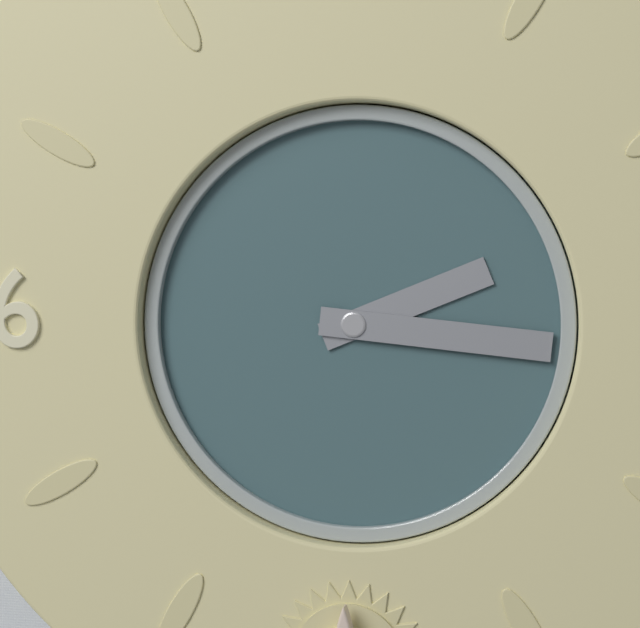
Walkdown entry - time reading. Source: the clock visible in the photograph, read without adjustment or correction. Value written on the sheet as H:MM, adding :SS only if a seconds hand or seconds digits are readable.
2:16
